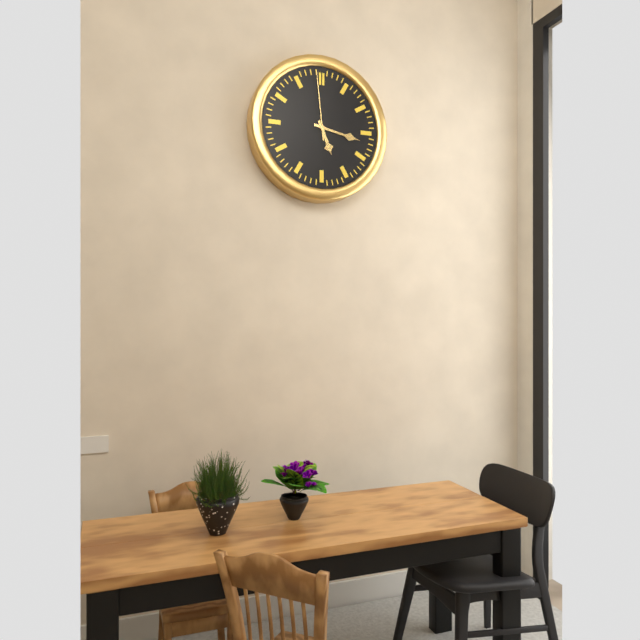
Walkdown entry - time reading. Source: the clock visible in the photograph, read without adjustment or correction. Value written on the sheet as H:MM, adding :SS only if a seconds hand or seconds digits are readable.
5:17:59
